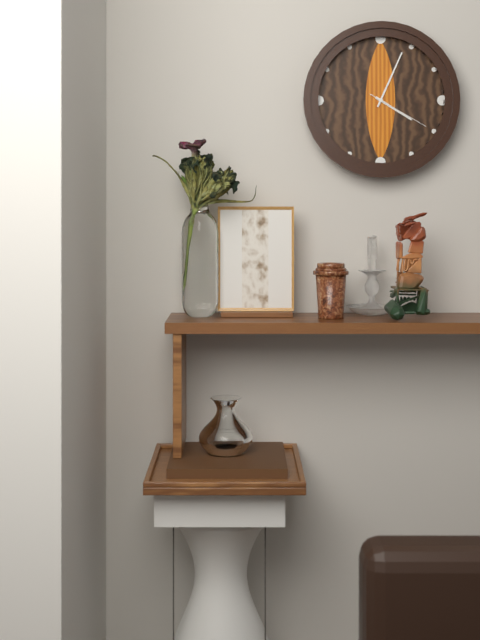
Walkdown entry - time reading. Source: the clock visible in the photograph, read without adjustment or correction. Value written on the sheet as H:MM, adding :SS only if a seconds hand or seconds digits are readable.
4:04:20
